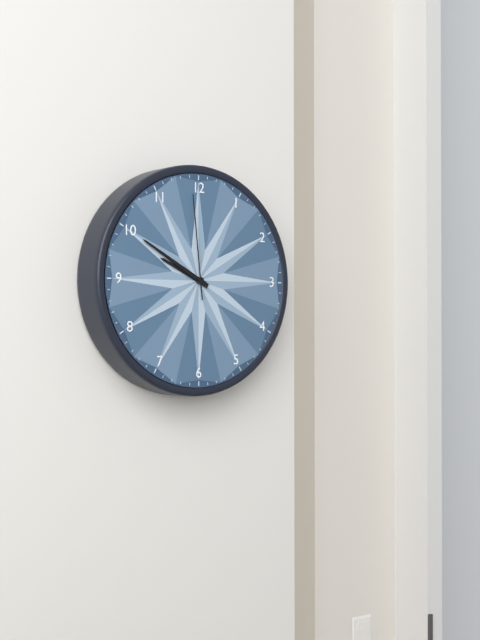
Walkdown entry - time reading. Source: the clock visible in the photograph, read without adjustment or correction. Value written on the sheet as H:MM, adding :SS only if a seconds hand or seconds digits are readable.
9:50:59
